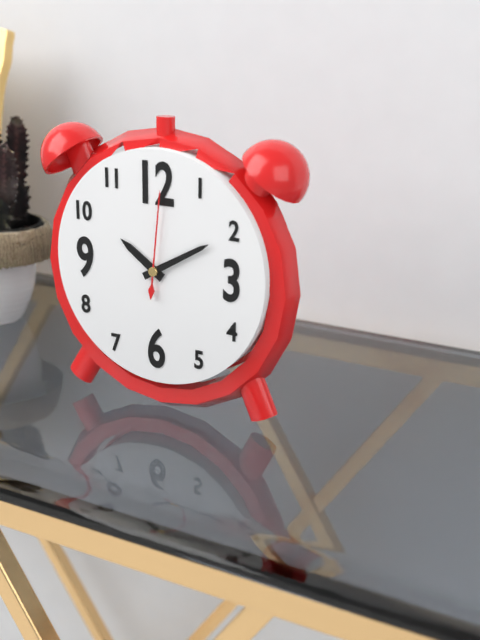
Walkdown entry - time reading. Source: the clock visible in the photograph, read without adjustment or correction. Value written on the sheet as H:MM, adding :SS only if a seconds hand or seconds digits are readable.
10:10:01
